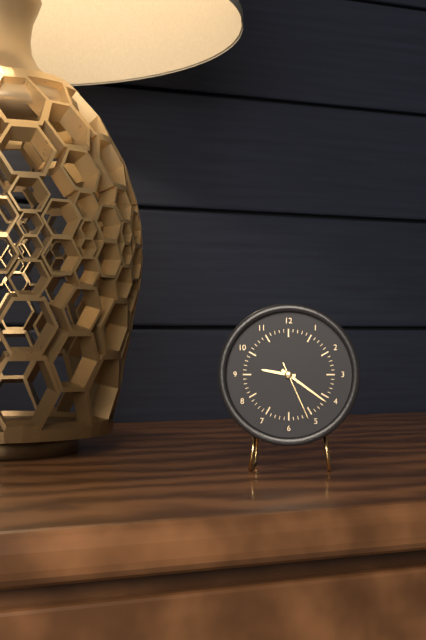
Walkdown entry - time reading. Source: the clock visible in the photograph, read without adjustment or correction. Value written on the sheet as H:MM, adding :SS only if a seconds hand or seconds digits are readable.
9:21:26
